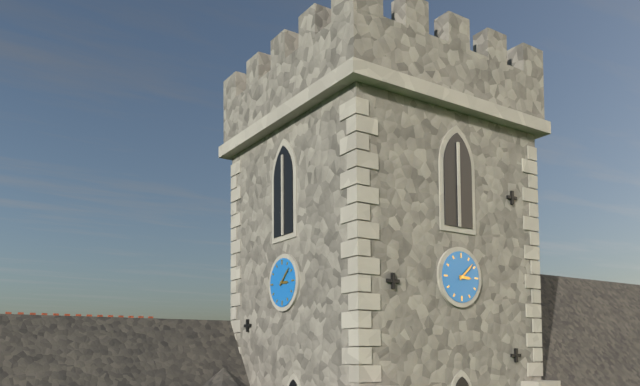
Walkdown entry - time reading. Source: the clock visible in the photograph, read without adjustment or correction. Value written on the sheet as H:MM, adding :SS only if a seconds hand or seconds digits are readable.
3:08
